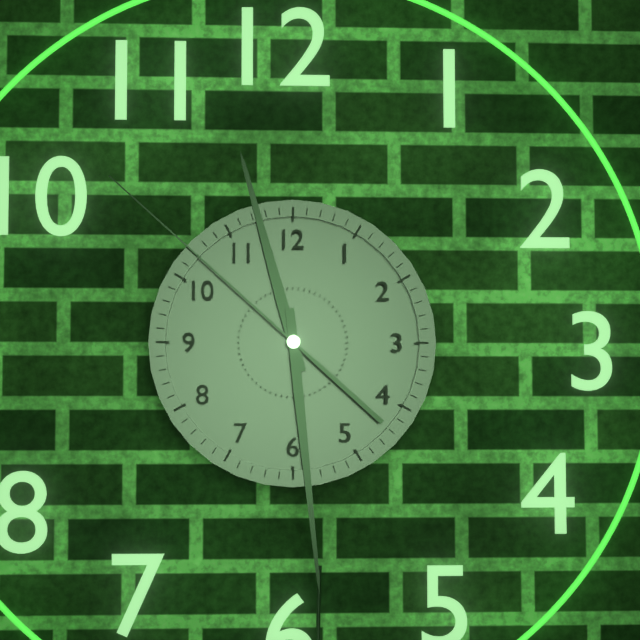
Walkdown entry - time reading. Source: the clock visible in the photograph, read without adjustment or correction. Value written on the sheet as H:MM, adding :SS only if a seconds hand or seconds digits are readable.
11:29:52
